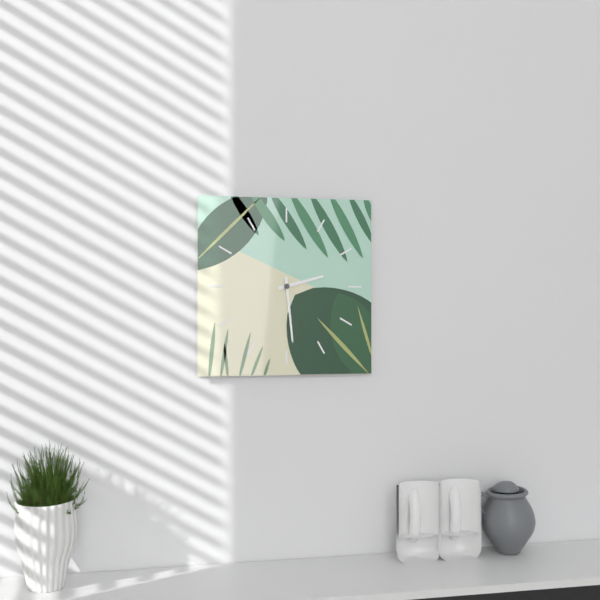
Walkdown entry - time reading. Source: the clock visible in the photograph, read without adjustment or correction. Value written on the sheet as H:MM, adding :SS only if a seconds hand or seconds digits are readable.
2:29
